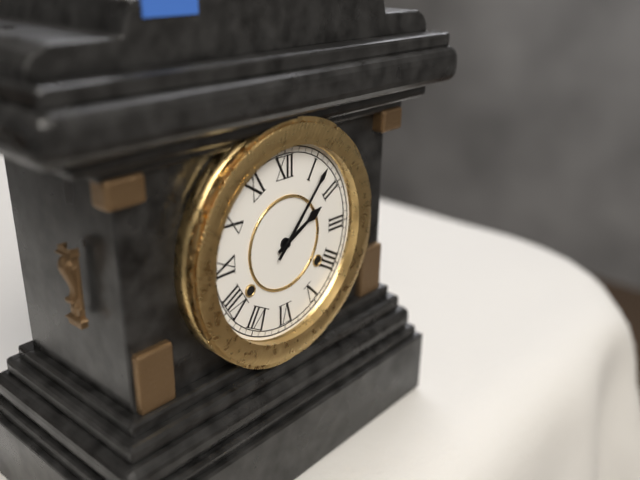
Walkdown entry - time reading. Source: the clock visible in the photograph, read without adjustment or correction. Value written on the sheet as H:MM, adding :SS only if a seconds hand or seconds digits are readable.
2:07
